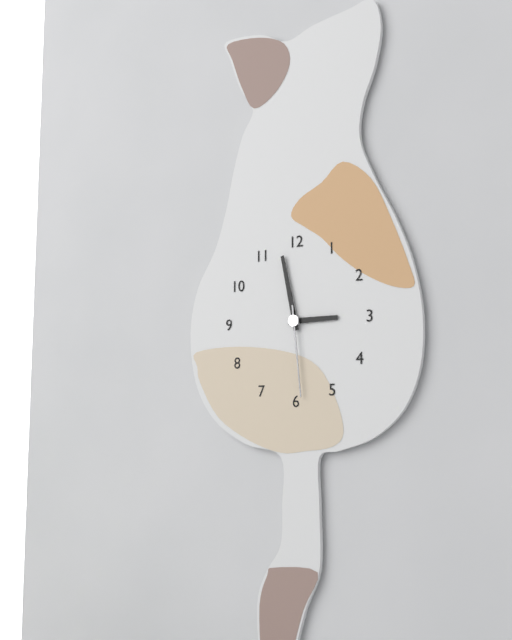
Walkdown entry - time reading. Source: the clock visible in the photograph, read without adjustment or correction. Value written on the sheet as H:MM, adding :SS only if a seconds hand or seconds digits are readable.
2:58:29
